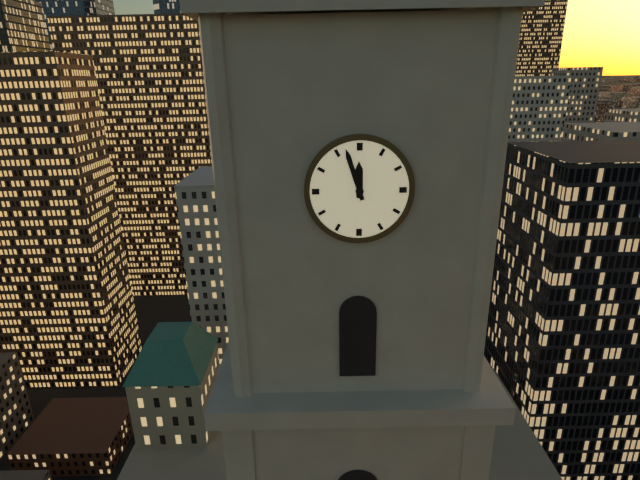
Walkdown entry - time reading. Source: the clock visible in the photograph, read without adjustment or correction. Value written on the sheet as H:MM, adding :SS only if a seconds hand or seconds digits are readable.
11:57
